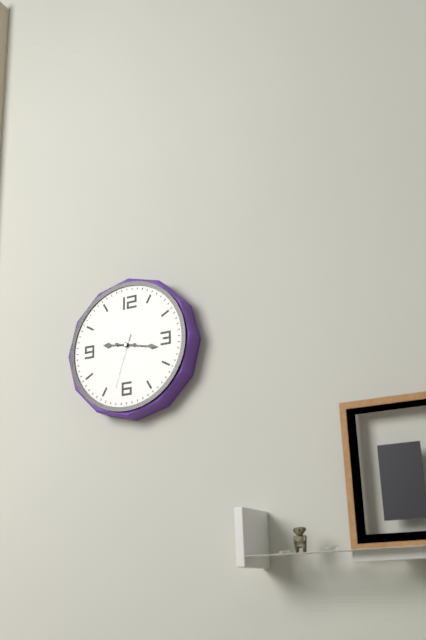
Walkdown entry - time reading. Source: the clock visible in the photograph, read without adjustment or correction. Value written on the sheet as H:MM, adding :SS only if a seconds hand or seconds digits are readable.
9:17:33
